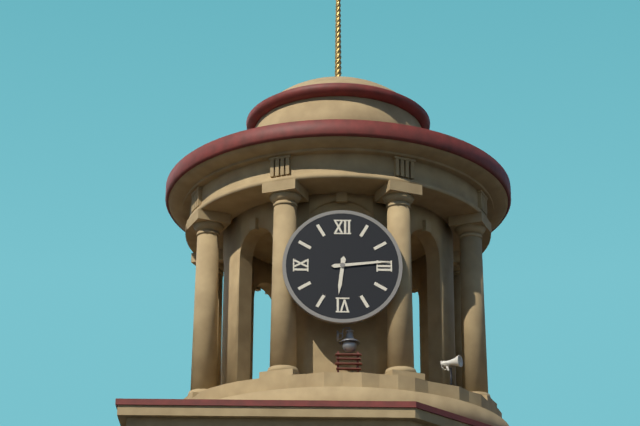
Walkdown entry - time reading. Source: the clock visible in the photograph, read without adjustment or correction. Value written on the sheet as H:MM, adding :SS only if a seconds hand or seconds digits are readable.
6:14
